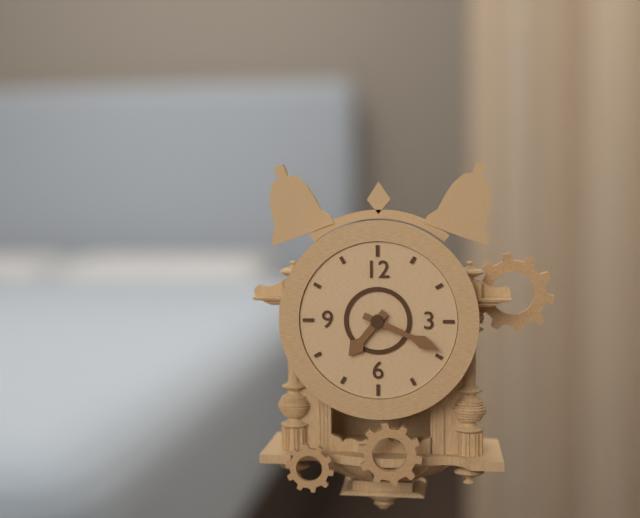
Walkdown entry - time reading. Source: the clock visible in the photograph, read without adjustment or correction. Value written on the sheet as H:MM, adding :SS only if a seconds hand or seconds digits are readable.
7:19
